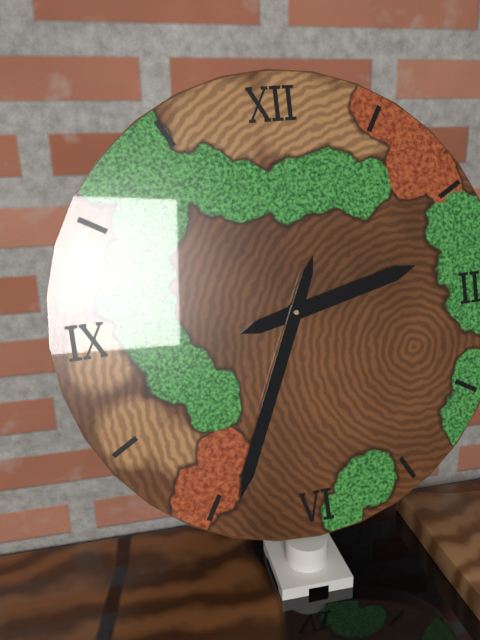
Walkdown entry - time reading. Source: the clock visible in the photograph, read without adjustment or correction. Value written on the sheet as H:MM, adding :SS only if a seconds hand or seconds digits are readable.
2:34
